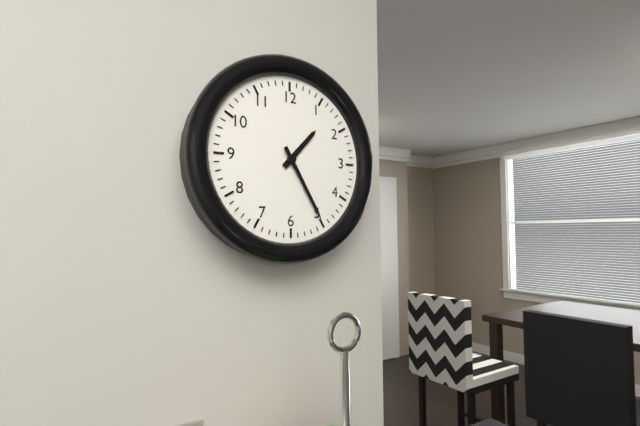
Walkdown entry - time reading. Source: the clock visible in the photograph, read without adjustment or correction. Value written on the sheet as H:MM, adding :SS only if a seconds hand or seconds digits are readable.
1:25
